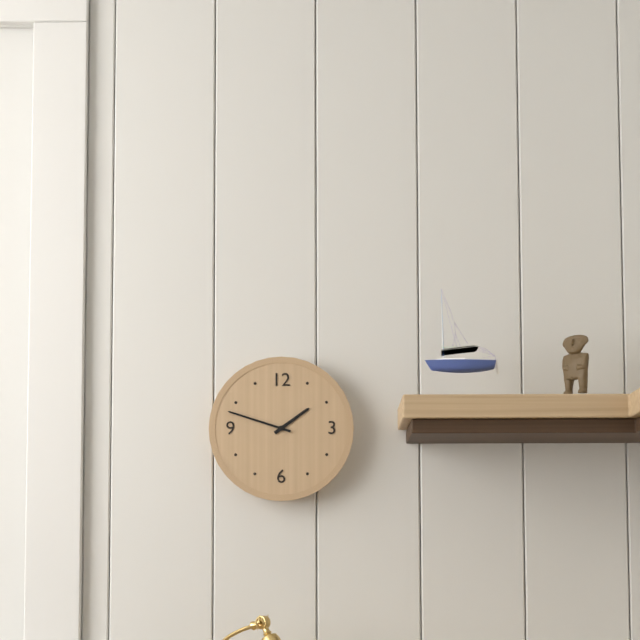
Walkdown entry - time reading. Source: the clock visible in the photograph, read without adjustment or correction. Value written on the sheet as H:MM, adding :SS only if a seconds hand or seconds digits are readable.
1:48
